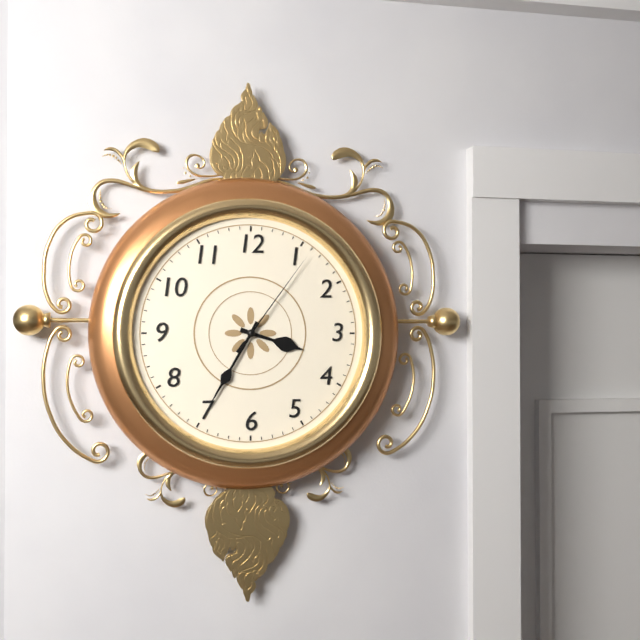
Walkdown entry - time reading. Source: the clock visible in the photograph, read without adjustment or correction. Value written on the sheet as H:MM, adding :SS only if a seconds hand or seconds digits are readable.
3:35:06
